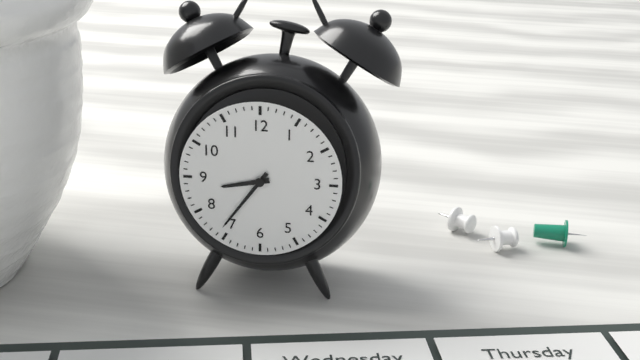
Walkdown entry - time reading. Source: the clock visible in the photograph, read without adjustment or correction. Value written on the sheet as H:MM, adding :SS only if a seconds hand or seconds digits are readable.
8:36
